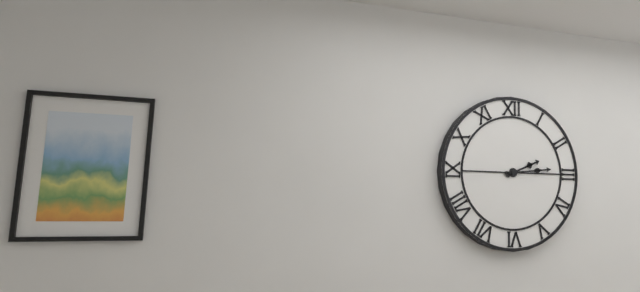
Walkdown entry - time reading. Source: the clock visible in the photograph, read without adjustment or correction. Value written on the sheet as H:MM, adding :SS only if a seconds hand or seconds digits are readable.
2:14
